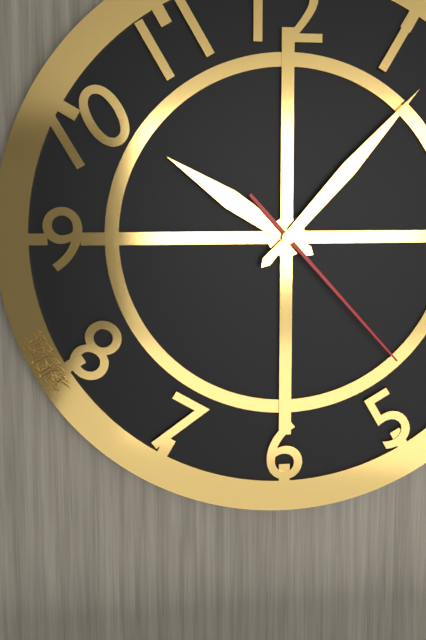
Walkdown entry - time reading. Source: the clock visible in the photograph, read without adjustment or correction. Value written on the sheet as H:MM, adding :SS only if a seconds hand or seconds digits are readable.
10:07:23
